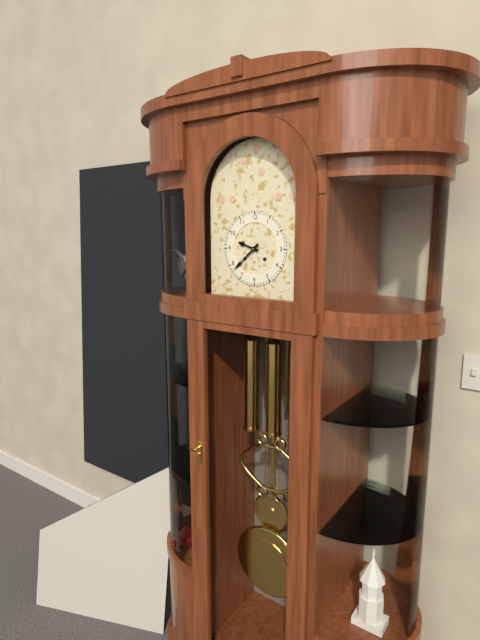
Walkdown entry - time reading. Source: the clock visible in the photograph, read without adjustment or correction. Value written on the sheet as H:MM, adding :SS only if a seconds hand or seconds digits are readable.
9:38
